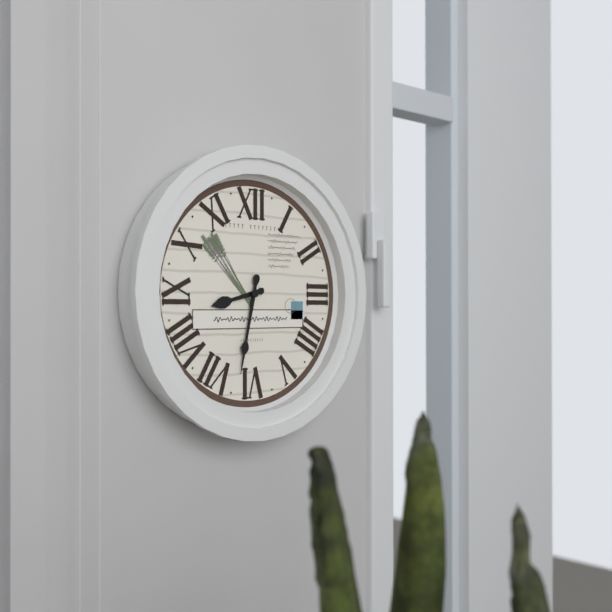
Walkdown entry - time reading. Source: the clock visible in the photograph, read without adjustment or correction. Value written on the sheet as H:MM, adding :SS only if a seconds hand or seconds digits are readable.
8:32
